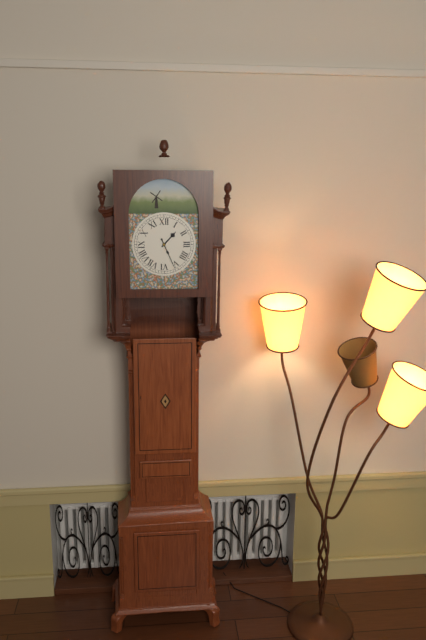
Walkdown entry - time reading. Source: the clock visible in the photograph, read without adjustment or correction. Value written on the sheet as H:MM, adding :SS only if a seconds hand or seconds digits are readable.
1:26
